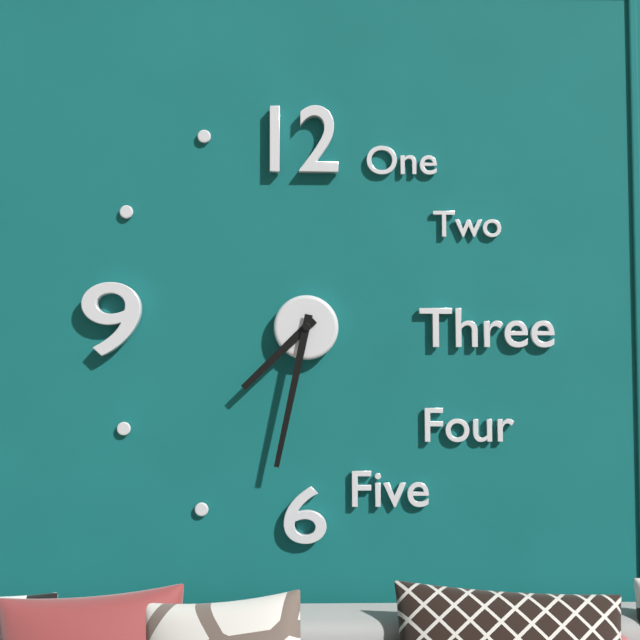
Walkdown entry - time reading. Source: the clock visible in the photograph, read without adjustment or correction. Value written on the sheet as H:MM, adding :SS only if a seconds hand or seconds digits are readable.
7:32
